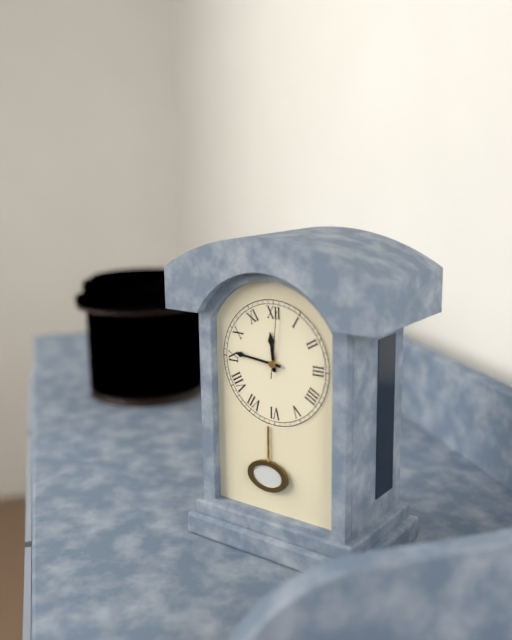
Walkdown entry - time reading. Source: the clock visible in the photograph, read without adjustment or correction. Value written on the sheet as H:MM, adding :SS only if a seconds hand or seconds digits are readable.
11:46:01
